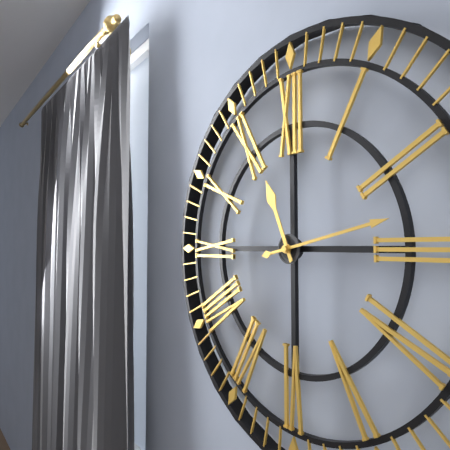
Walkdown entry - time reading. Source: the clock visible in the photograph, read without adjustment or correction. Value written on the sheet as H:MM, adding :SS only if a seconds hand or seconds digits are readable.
11:13
